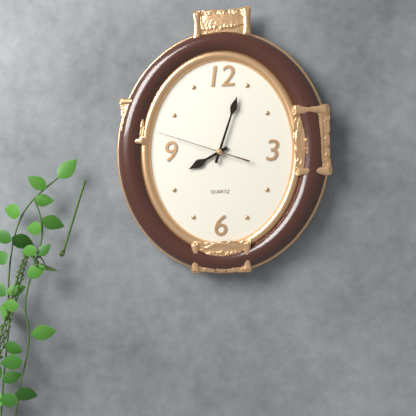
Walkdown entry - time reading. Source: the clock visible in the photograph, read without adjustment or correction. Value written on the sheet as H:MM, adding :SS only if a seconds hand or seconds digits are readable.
8:03:48
